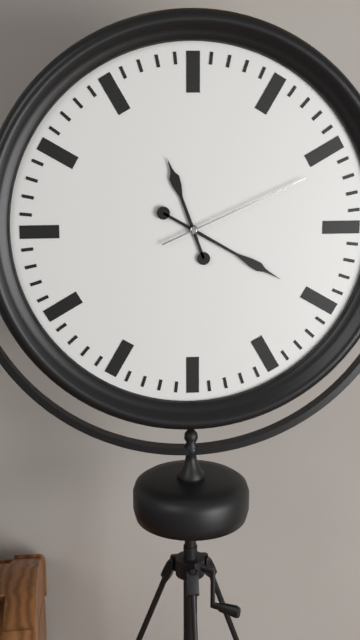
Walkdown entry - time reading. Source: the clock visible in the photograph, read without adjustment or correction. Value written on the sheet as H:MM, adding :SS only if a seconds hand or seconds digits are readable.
11:20:11
